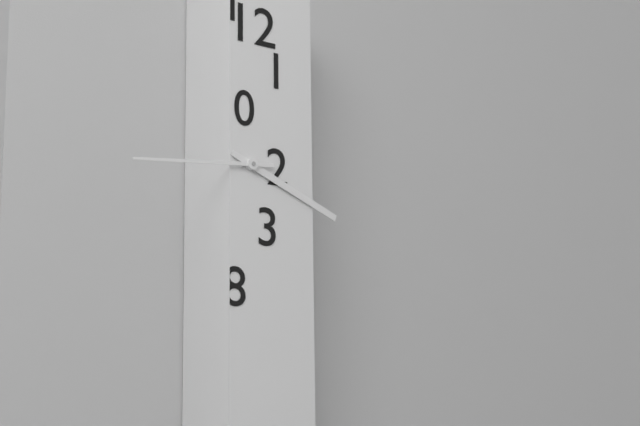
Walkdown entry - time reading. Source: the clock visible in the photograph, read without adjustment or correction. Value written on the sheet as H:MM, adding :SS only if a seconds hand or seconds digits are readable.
3:44
